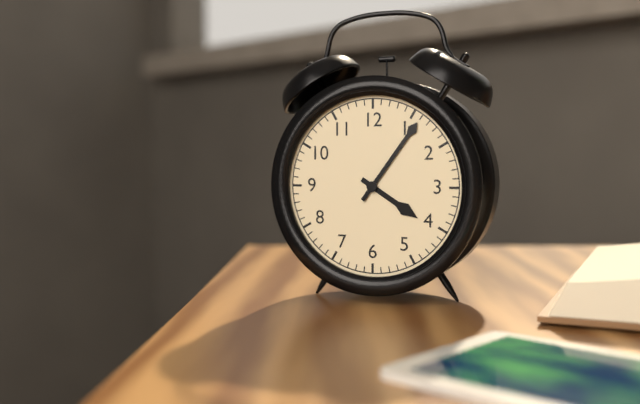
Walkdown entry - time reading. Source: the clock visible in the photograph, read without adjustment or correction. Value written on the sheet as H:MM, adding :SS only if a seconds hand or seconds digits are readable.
4:06
